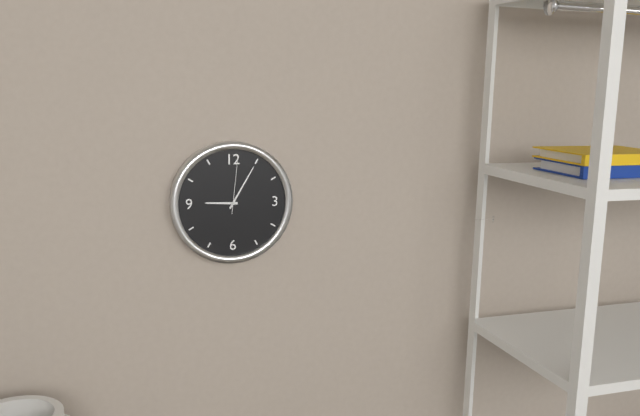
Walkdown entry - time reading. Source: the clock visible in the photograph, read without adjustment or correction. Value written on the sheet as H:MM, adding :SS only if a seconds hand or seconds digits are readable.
9:05:01
